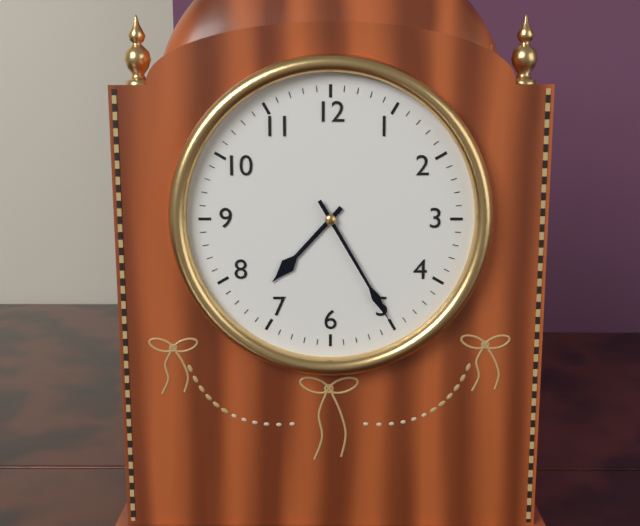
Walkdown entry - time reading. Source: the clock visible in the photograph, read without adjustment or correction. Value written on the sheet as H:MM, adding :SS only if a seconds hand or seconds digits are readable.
7:25
